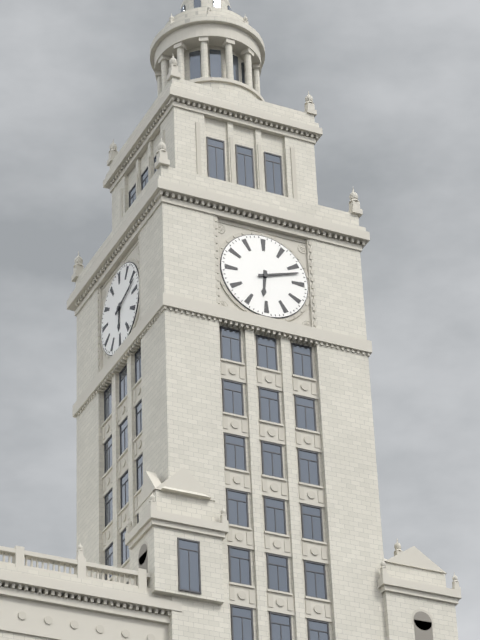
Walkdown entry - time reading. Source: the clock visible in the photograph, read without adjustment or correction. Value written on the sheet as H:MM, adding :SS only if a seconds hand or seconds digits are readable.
6:12
